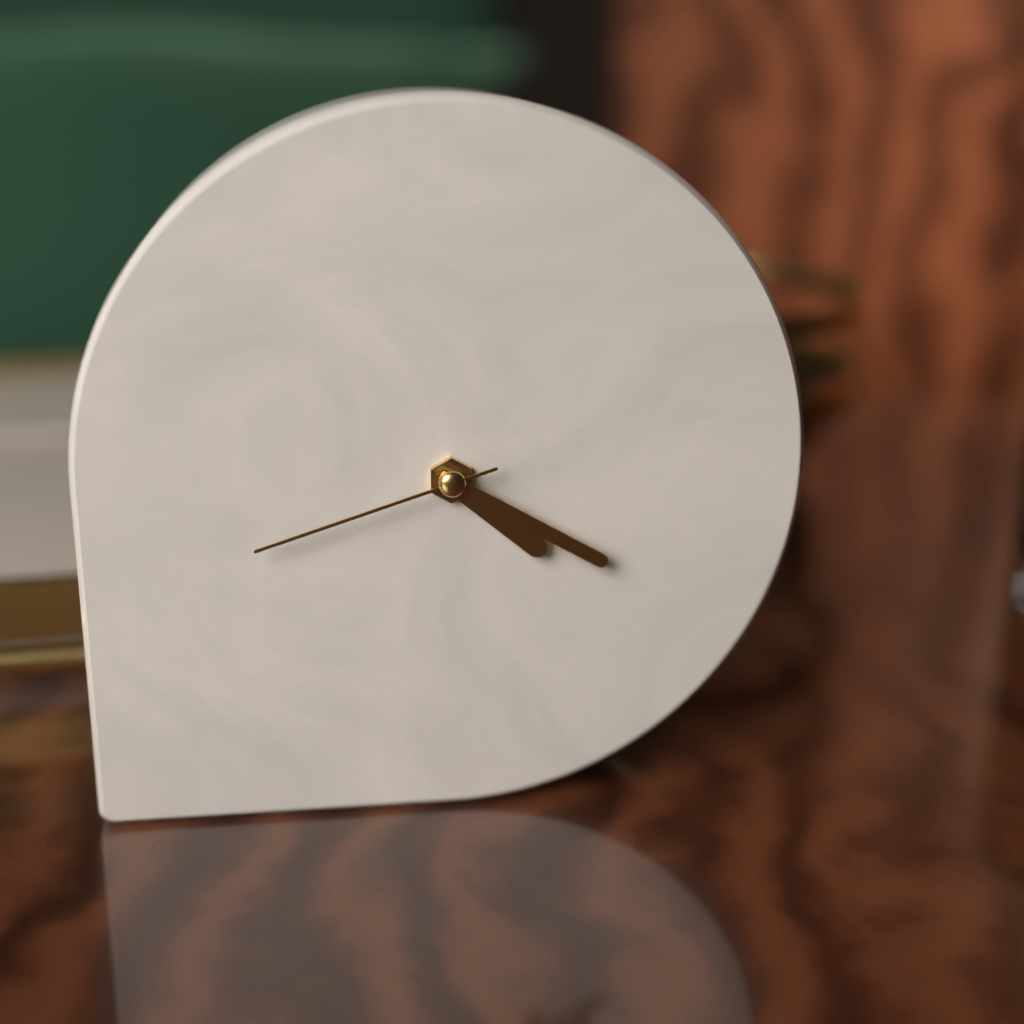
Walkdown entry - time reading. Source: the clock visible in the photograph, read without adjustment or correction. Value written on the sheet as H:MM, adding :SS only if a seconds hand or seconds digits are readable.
4:20:42
